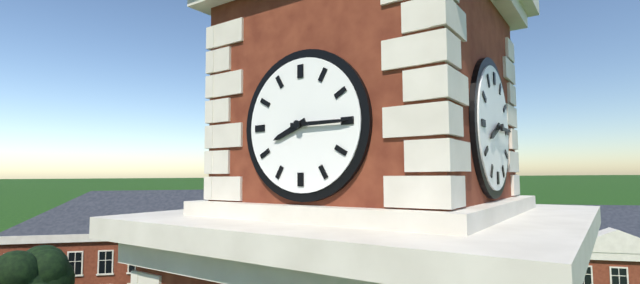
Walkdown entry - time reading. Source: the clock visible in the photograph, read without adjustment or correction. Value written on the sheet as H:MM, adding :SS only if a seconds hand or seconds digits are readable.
8:15
